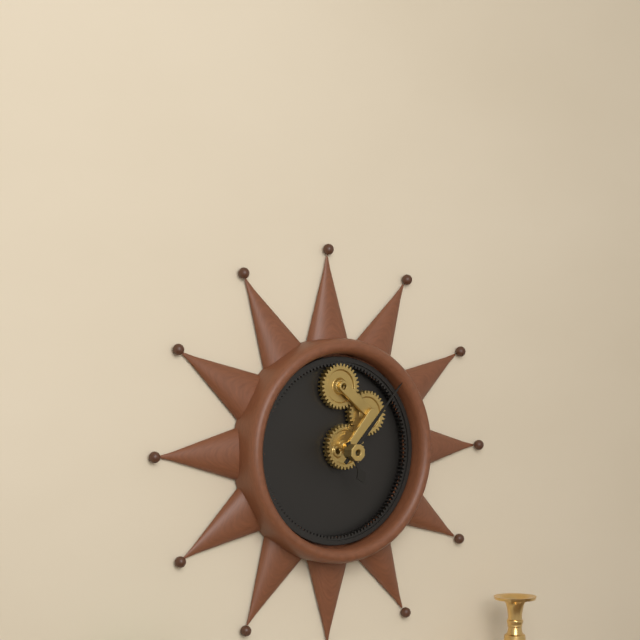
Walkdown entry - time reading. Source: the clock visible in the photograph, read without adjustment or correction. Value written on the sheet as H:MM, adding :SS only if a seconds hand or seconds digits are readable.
5:07
